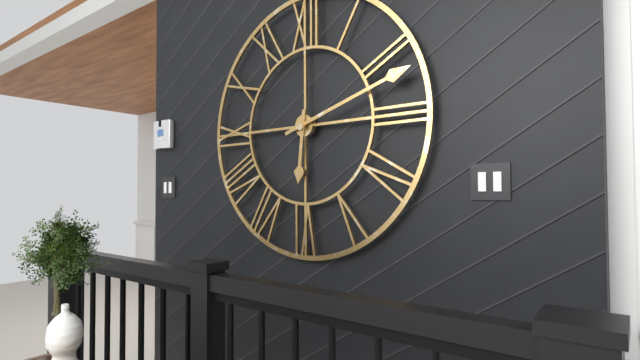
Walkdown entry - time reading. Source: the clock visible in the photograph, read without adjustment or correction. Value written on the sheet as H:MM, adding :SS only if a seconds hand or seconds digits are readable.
6:12
